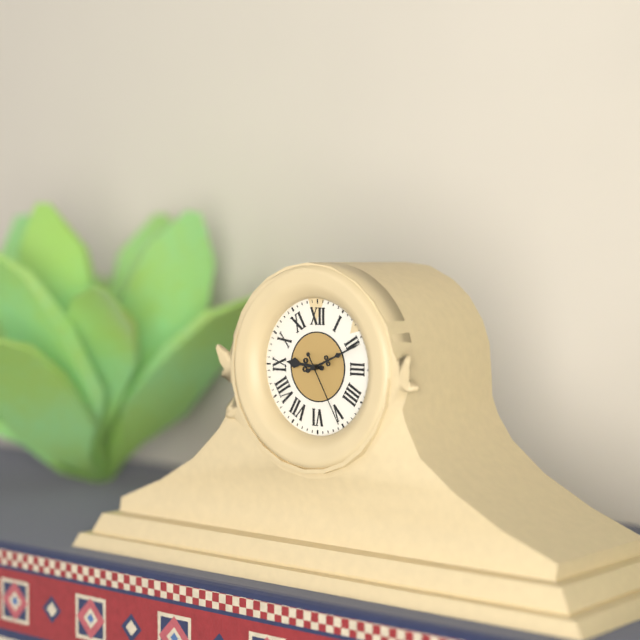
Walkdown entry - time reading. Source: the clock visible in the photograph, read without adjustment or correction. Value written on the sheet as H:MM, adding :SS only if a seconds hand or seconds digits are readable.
9:11:25
